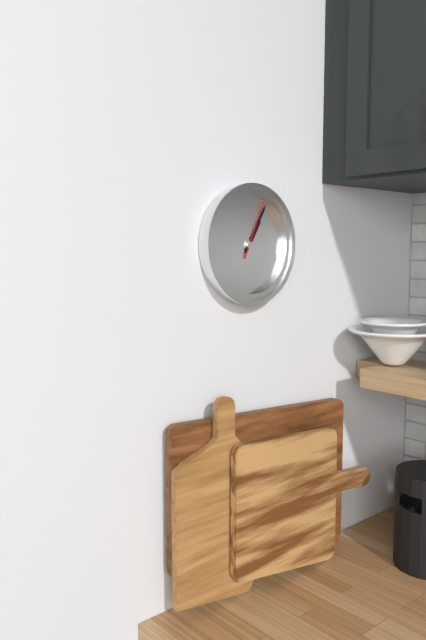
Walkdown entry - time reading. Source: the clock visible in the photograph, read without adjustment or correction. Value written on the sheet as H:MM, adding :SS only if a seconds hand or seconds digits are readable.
1:05:04
